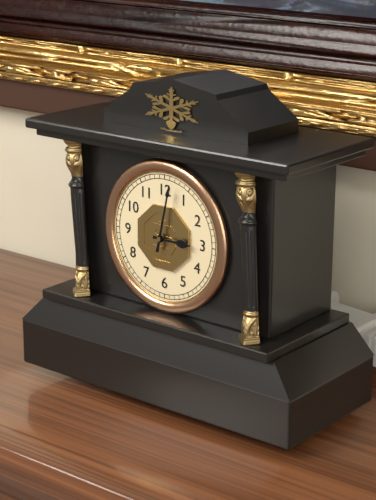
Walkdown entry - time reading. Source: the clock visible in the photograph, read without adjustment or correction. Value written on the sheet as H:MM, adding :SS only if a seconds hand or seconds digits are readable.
3:02
